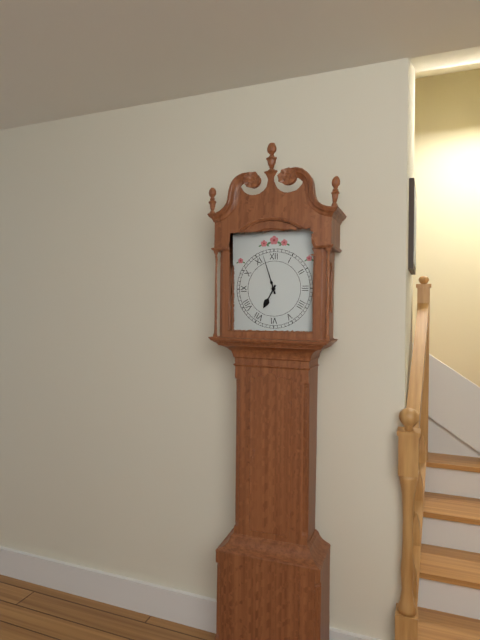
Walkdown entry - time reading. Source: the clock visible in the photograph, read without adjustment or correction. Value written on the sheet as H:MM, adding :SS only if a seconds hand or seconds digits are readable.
6:57
